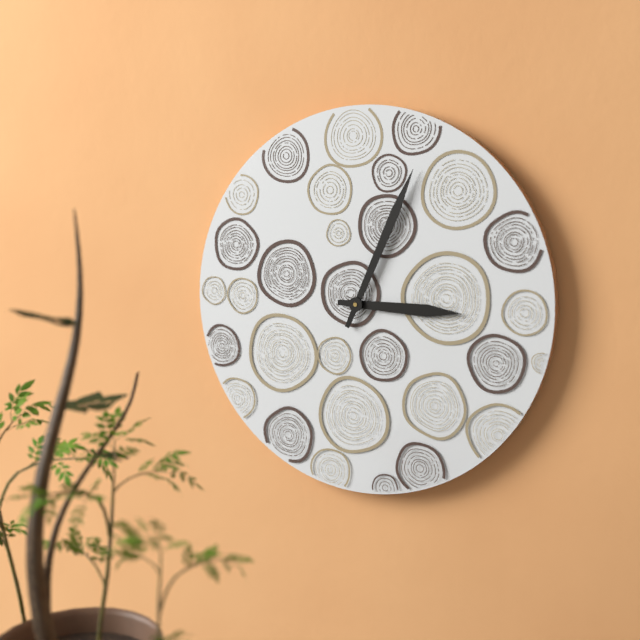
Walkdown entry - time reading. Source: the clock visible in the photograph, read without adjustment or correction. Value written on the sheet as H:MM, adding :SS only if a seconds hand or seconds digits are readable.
3:04
